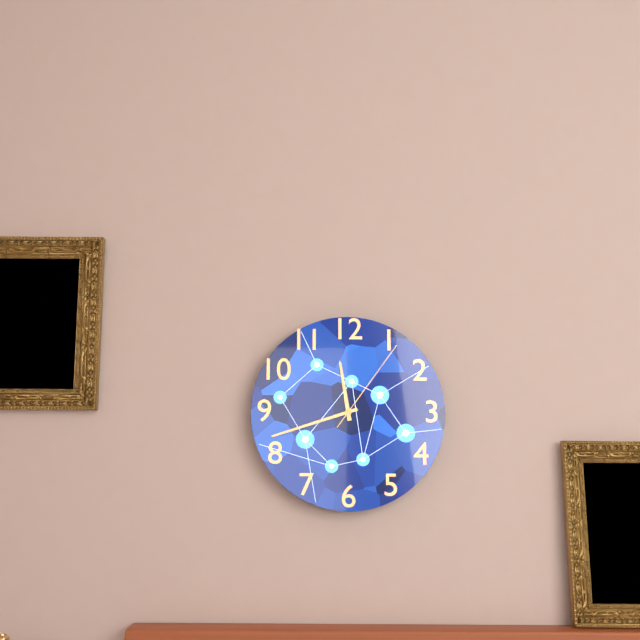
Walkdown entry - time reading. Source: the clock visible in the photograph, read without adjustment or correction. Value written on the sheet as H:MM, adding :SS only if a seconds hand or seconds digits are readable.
11:42:06
